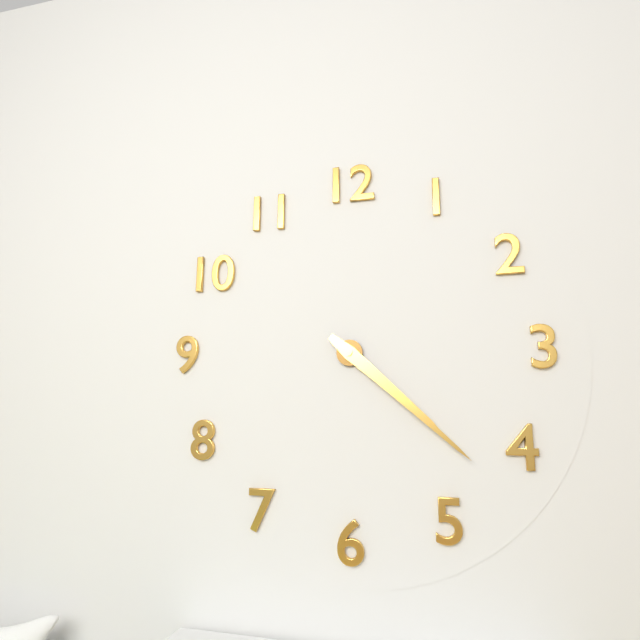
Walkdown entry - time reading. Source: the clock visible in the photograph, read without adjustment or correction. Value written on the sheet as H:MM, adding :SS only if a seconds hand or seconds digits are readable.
4:22
